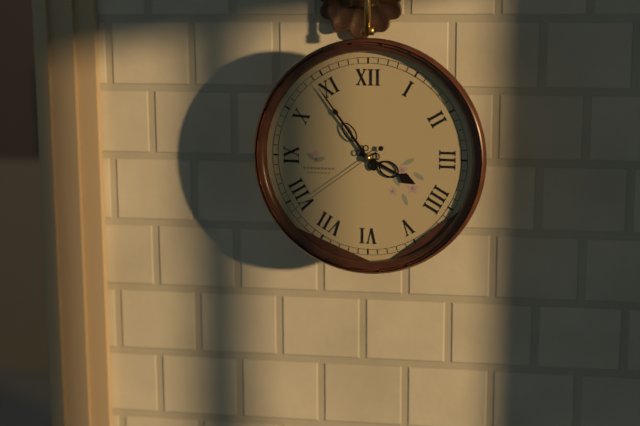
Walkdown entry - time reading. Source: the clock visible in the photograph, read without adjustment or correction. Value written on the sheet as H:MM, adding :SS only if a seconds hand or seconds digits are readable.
3:54:39
